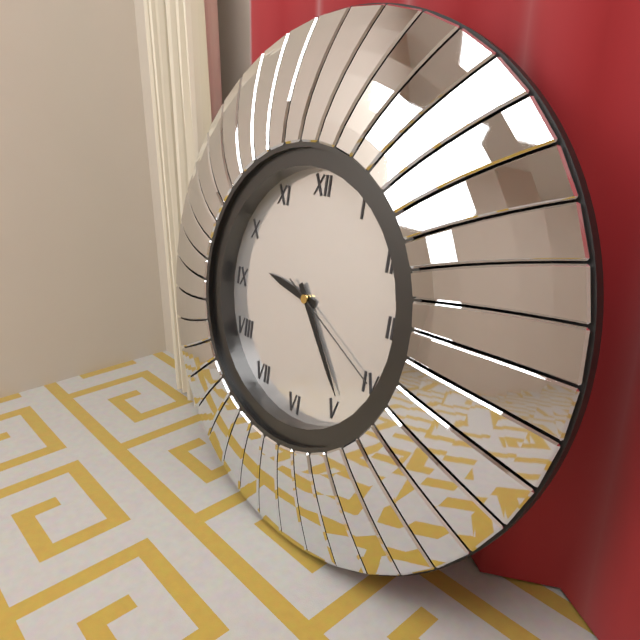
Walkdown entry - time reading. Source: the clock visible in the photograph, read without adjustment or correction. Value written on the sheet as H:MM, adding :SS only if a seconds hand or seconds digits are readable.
9:24:20
